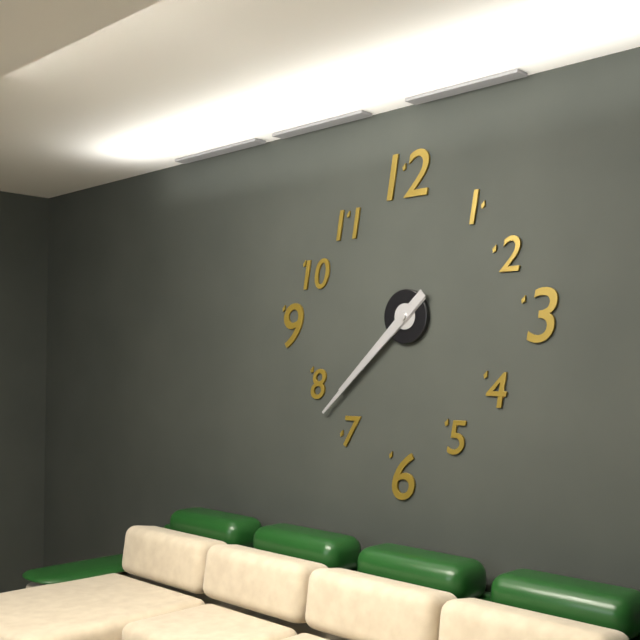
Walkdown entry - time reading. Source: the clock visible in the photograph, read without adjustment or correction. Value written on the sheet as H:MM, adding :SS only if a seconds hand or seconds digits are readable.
7:38
